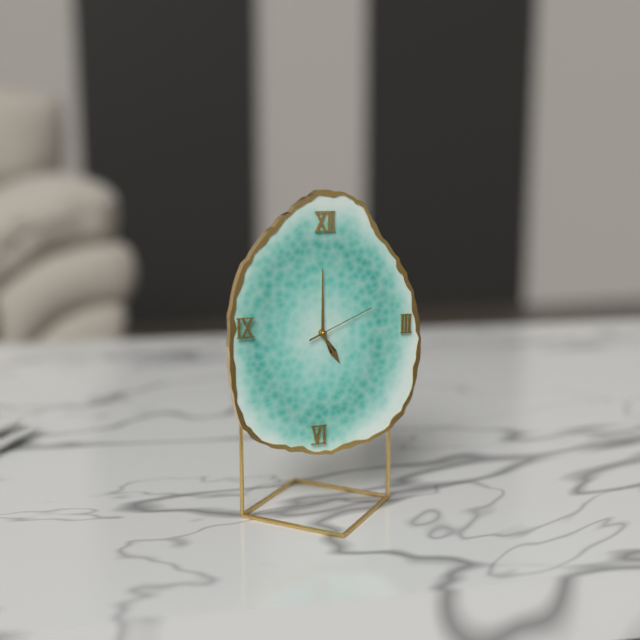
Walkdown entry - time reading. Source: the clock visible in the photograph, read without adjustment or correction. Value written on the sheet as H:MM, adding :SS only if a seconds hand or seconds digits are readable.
5:00:11
